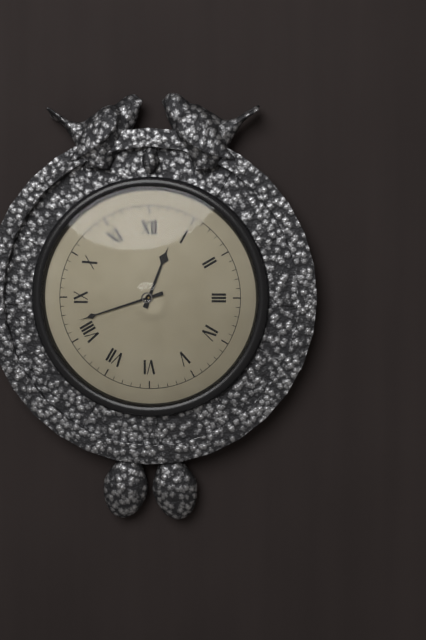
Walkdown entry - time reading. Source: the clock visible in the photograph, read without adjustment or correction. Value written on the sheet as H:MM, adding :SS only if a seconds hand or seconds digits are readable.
12:42
